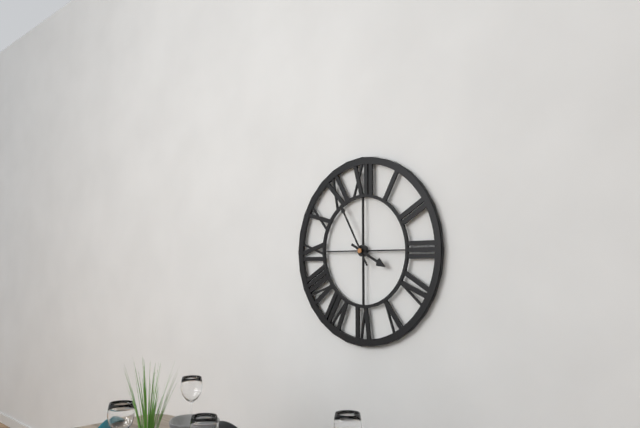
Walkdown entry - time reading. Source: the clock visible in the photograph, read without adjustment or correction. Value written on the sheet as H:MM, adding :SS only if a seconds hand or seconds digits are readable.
3:55
